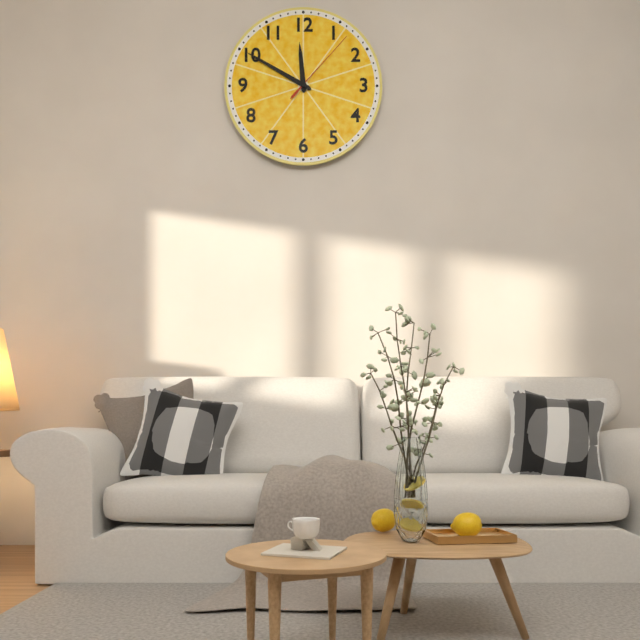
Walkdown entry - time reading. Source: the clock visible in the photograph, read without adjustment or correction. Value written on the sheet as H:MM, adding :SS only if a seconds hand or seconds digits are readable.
11:50:07
